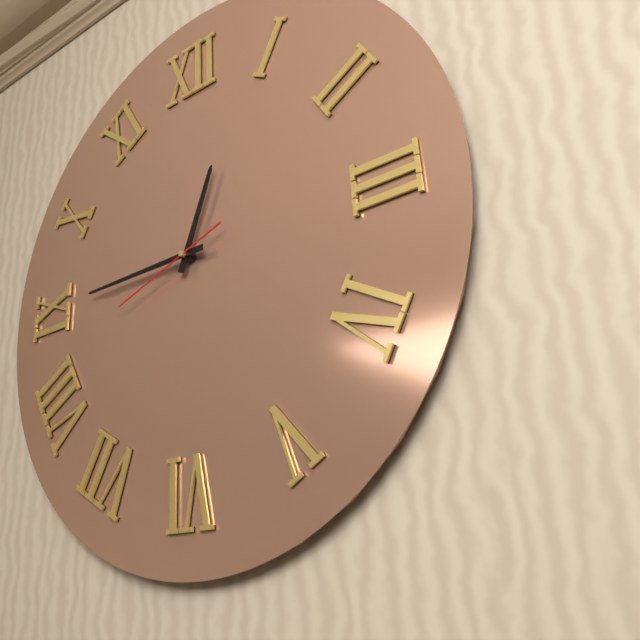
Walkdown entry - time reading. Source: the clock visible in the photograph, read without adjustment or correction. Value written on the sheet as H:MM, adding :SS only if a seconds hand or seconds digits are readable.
12:45:42
